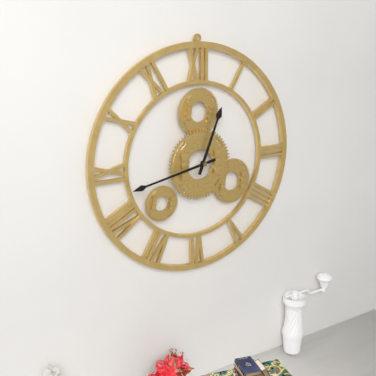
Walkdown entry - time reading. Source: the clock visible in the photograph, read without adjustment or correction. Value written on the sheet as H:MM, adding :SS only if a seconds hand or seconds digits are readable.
12:43
